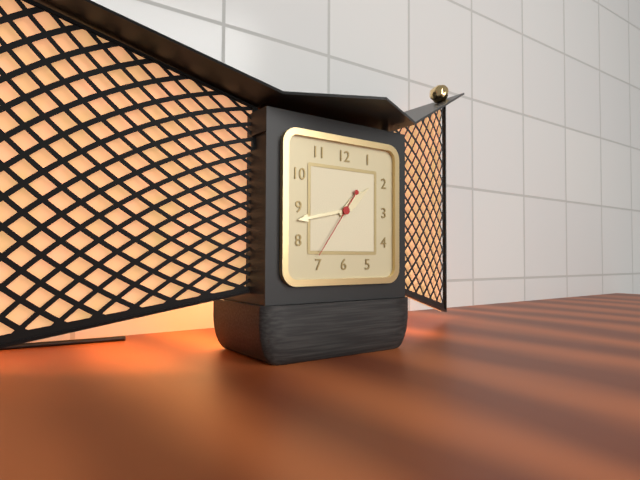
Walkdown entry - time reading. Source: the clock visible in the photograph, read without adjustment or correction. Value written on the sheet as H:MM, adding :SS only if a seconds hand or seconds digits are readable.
1:43:36
